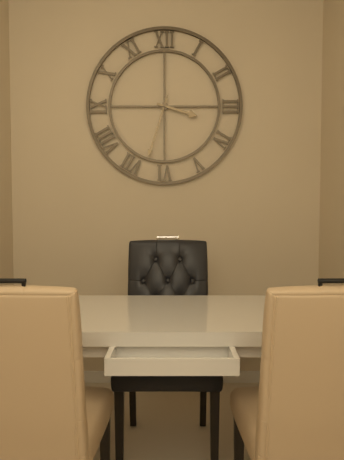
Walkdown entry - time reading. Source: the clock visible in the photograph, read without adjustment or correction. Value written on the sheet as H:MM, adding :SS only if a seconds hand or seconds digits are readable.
3:33
